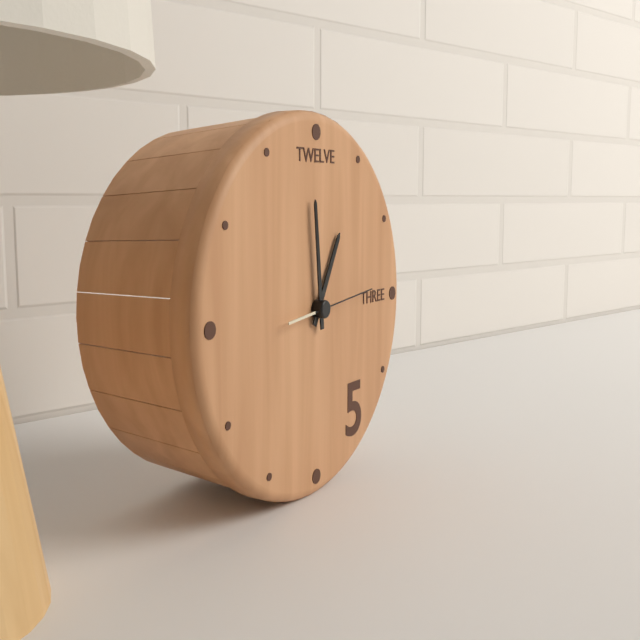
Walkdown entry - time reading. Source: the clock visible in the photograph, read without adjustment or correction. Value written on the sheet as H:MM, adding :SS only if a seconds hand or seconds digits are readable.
12:59:14
